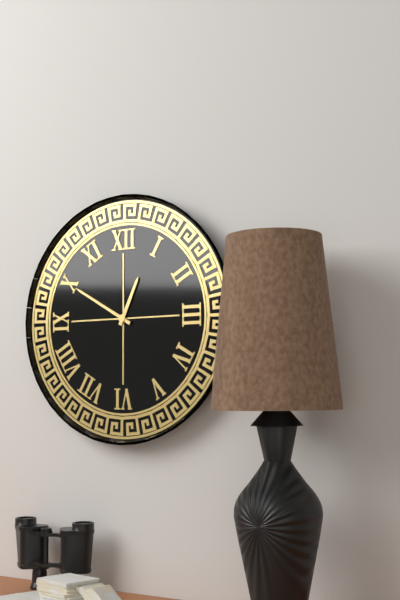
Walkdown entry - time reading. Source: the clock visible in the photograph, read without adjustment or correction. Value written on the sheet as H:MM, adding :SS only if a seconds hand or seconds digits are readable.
12:50
